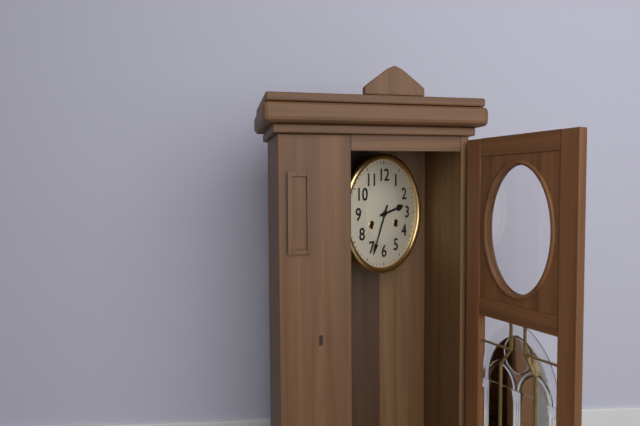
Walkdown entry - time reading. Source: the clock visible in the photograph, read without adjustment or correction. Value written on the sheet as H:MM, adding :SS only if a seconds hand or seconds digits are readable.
2:34
